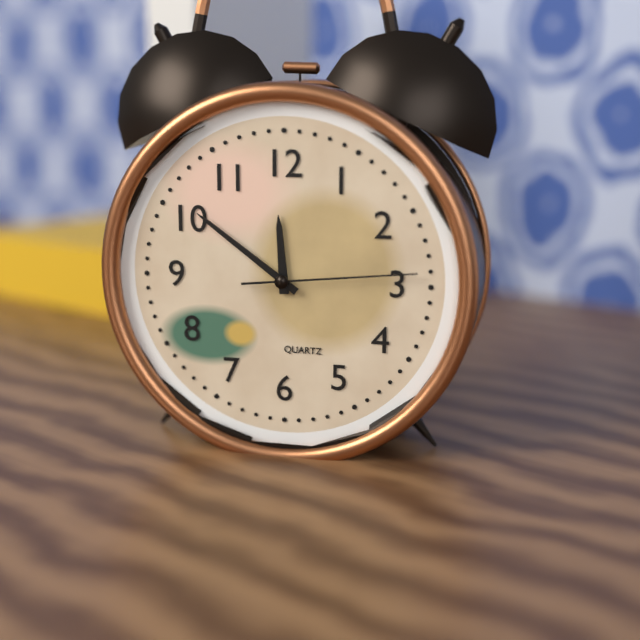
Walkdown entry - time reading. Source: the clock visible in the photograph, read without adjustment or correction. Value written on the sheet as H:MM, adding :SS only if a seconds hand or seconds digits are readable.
11:51:14
